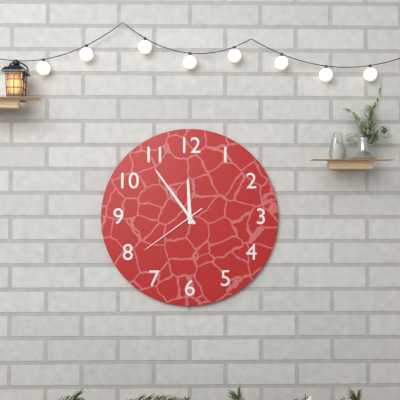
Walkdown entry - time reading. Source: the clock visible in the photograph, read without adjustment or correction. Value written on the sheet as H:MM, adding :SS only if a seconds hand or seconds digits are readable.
11:54:39
